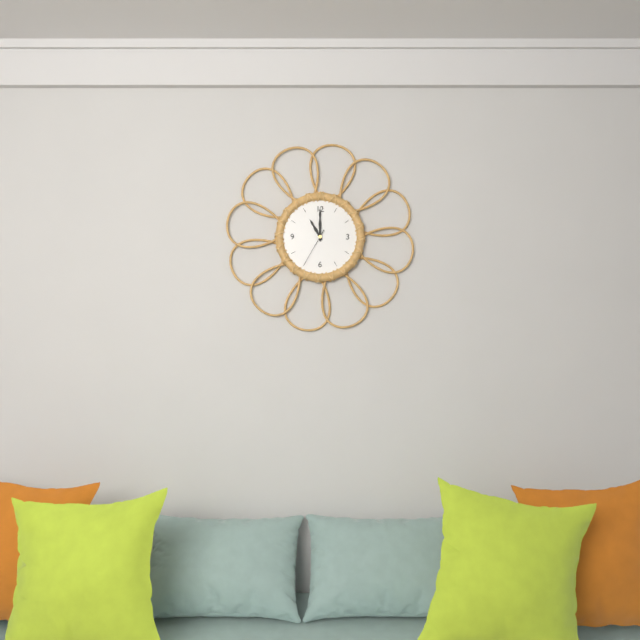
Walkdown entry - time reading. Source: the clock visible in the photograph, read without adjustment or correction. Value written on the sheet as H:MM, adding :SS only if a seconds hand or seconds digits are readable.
11:00
